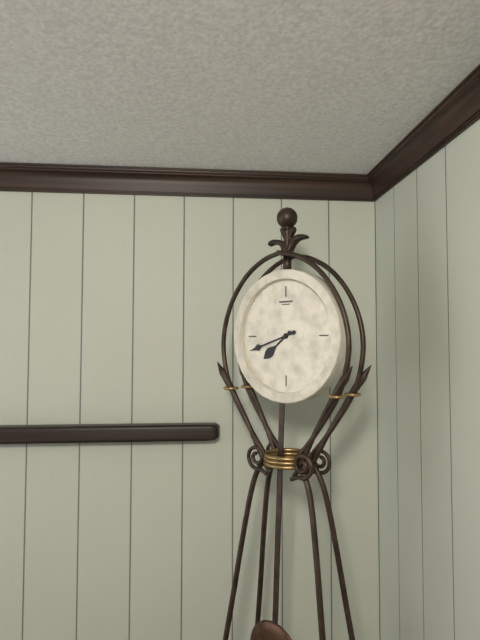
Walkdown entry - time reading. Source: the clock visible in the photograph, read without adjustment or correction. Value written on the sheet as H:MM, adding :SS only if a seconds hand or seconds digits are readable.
7:42
